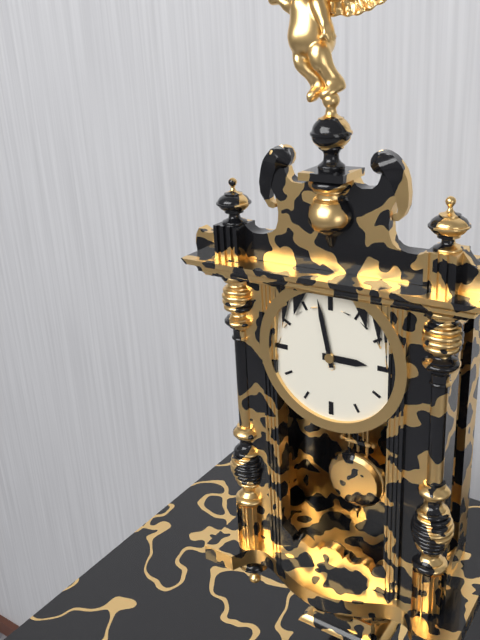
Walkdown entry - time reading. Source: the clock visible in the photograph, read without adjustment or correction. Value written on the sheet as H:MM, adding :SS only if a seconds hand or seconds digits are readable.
2:58
